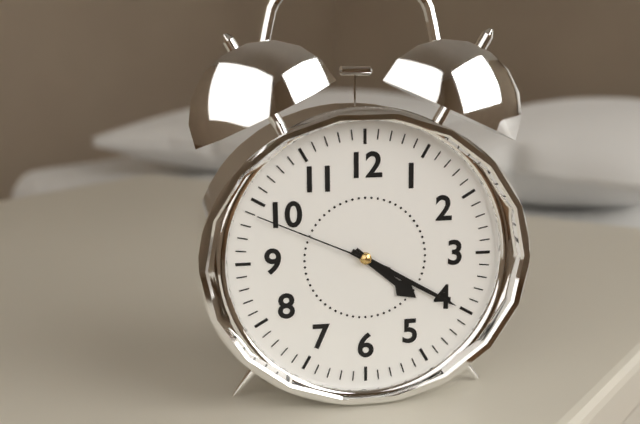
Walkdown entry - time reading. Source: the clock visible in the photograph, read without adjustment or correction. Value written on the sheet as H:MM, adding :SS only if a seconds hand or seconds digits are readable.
4:20:49
